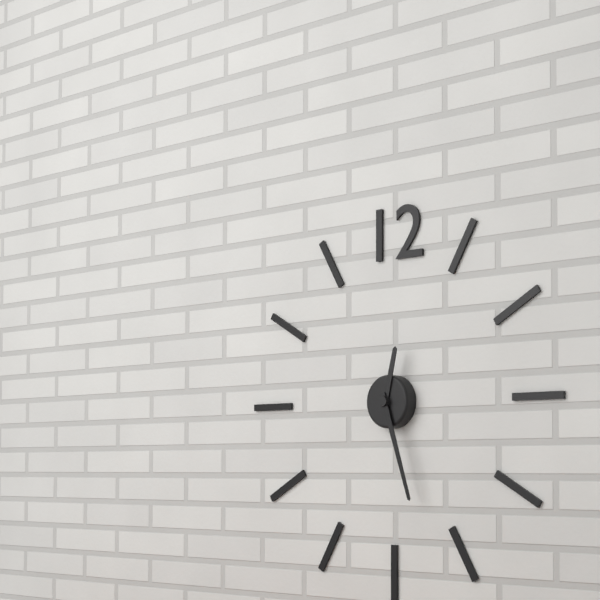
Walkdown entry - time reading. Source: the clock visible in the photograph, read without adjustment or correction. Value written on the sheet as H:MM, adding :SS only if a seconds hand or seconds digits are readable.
12:27
